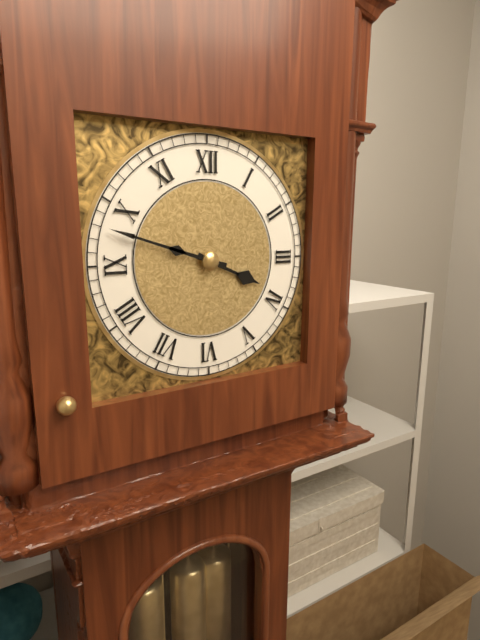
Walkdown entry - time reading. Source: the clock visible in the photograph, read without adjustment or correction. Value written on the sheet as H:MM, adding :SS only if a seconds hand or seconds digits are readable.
3:48
